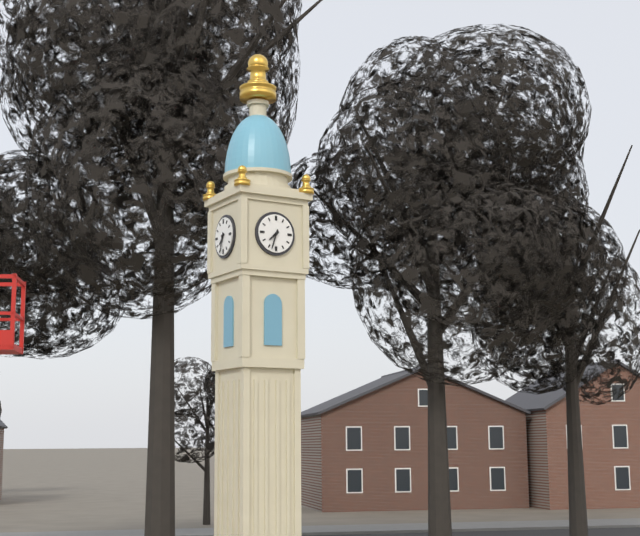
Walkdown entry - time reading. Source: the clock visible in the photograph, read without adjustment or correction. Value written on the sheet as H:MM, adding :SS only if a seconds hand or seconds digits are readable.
7:33
